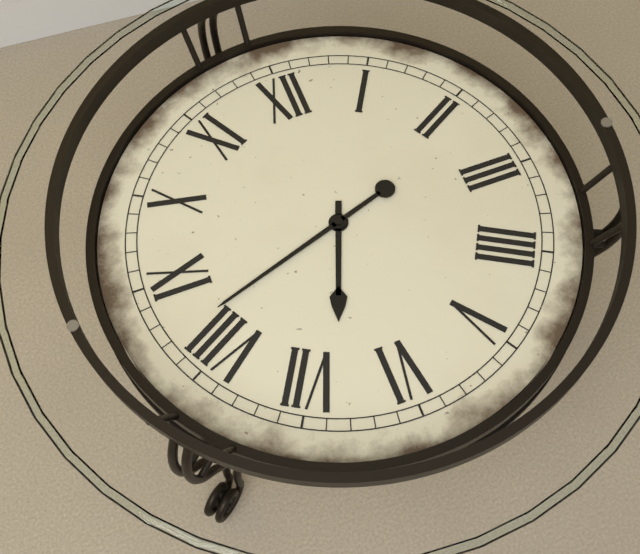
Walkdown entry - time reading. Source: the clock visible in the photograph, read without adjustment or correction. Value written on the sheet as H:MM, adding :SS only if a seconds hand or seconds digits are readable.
6:42
